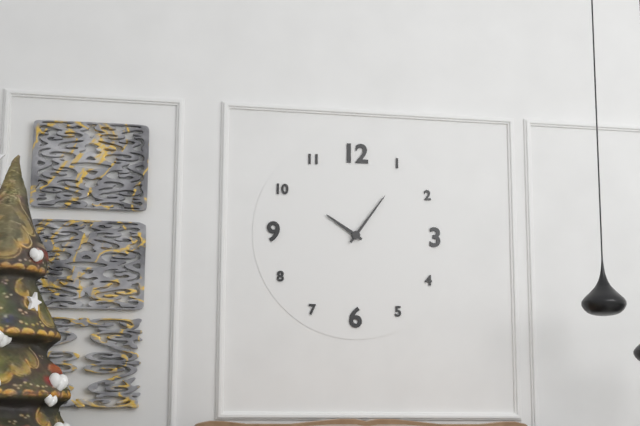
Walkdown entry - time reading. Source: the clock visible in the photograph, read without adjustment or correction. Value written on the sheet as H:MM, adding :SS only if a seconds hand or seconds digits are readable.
10:06
